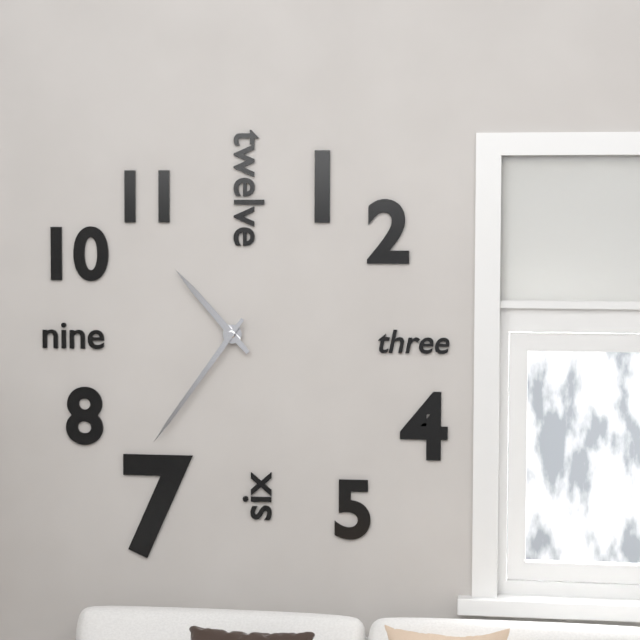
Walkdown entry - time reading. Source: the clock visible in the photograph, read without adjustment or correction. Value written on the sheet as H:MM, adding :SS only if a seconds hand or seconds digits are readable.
10:36
